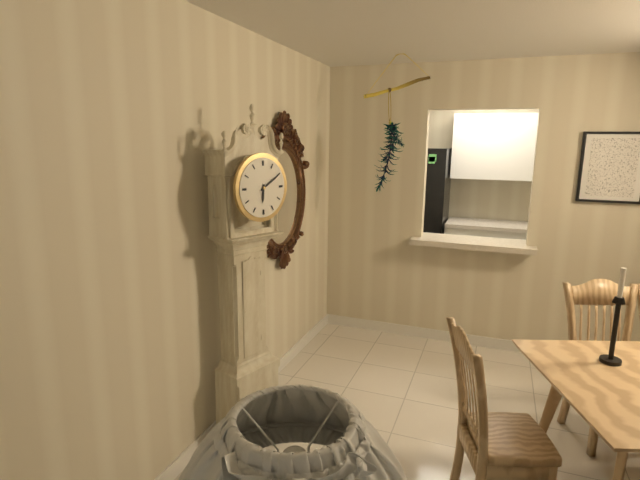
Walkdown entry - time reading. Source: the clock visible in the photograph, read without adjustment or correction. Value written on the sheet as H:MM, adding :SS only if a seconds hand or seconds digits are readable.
6:10
